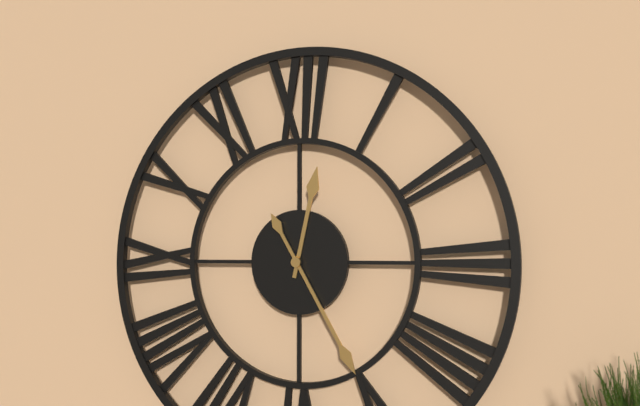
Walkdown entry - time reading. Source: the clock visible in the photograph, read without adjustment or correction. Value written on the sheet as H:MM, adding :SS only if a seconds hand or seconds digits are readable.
12:25
